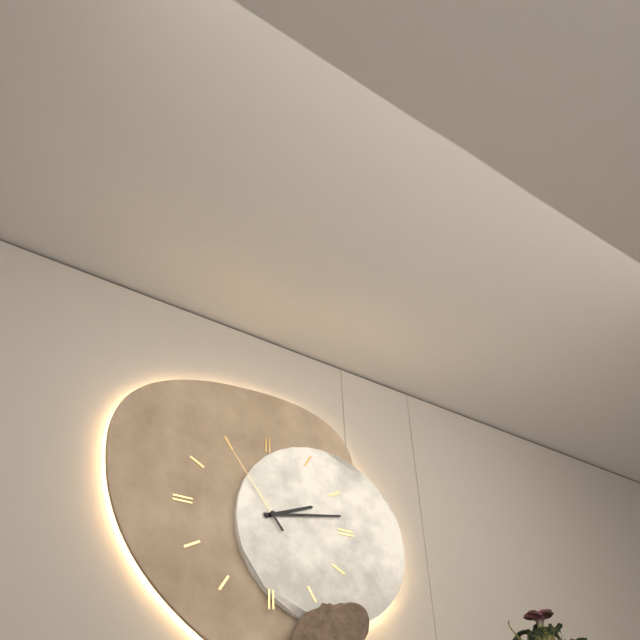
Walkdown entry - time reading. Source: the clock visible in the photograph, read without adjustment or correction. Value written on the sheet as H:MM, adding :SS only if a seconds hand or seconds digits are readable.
2:13:54
